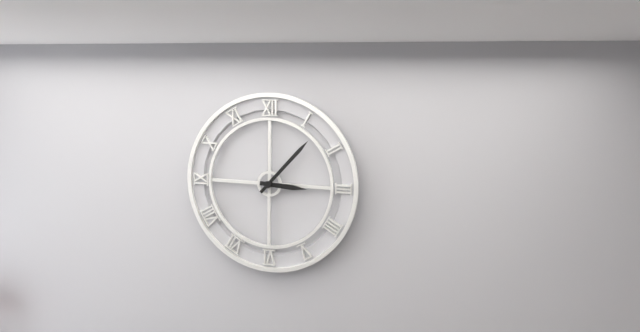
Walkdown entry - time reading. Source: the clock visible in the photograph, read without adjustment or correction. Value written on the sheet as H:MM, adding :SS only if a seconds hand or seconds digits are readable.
3:07
